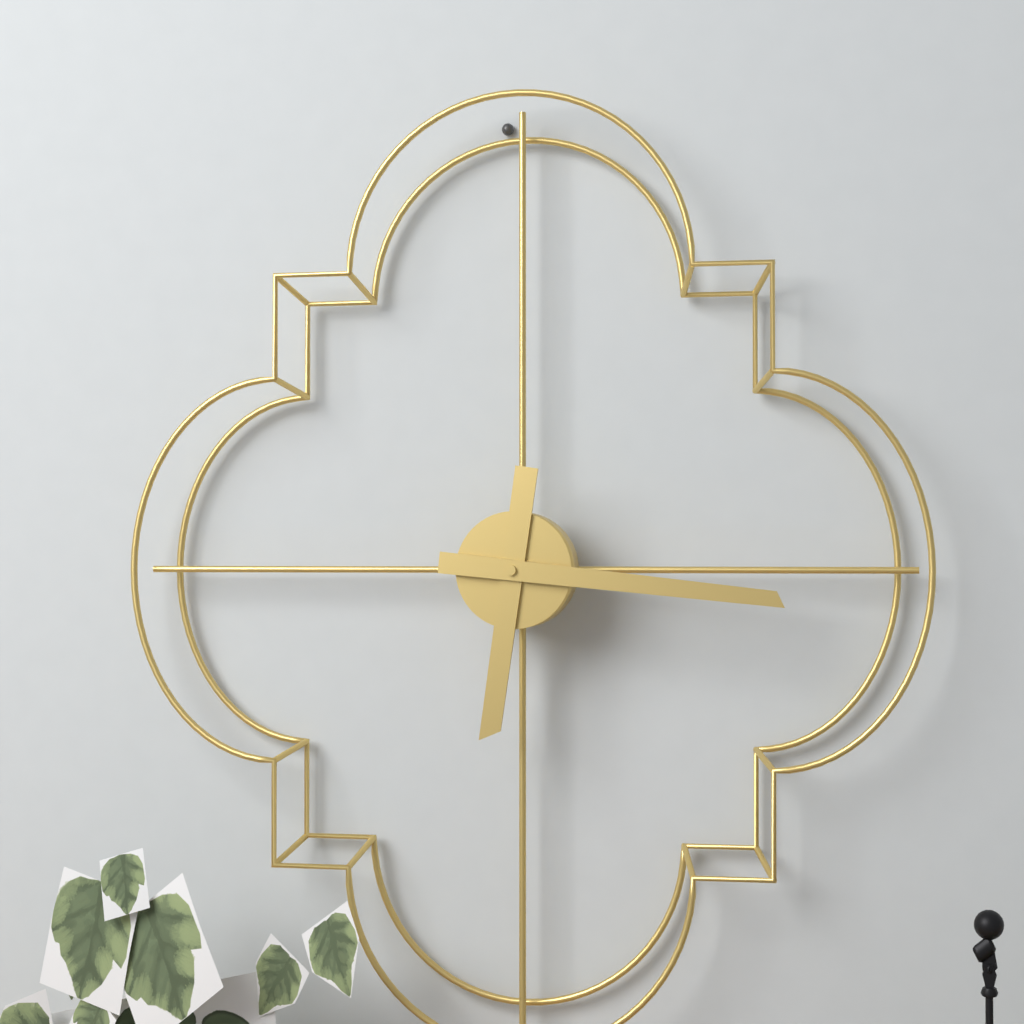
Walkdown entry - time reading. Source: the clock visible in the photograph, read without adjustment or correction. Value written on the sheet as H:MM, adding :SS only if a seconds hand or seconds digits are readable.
6:16
